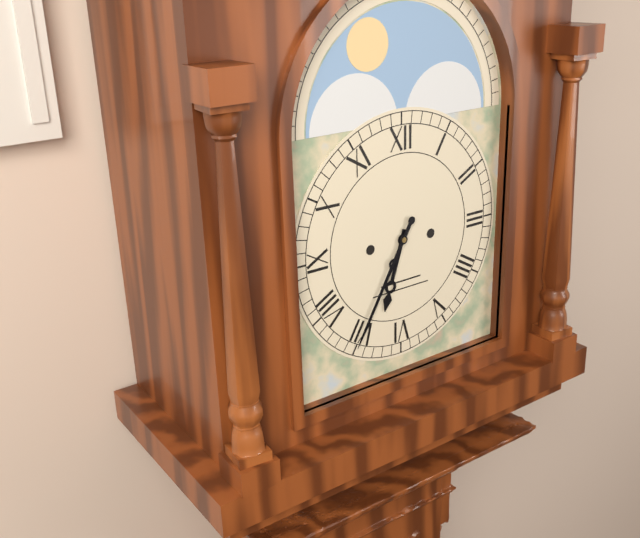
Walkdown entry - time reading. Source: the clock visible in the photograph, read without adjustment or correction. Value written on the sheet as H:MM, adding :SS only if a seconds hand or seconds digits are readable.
6:35
